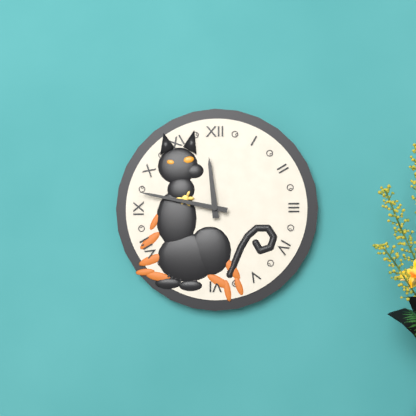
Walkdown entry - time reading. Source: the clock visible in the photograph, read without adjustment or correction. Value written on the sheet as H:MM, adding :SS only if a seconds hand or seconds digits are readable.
11:47
